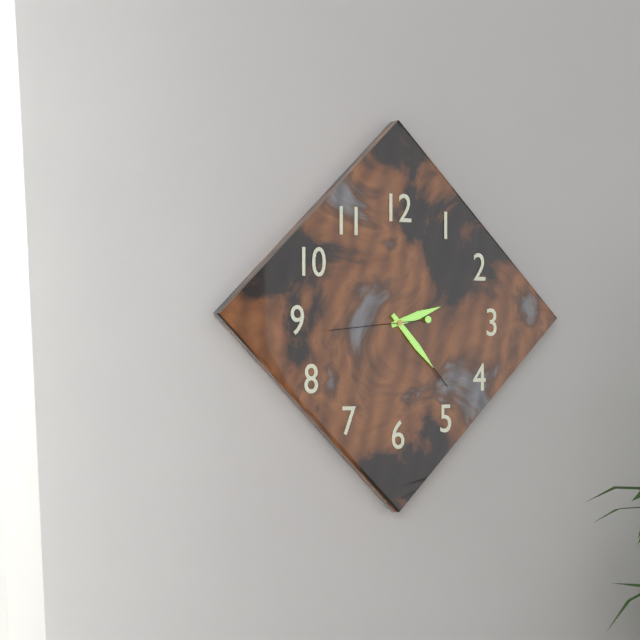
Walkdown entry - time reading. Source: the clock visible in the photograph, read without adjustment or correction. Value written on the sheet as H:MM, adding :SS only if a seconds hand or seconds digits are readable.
2:23:44
